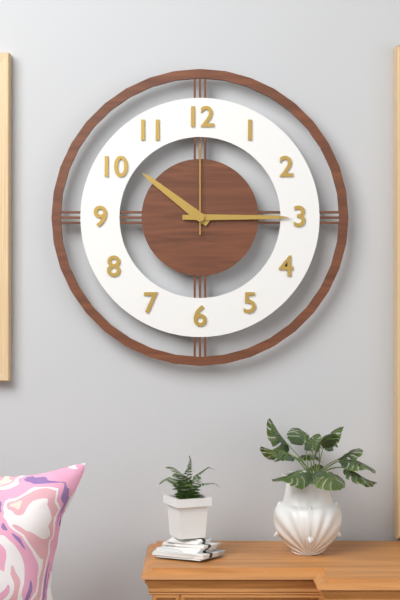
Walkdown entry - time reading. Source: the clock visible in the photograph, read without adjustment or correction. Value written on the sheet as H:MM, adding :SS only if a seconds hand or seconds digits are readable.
10:15:00
